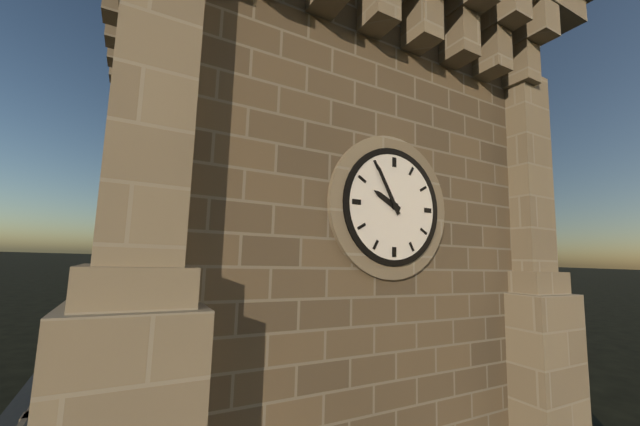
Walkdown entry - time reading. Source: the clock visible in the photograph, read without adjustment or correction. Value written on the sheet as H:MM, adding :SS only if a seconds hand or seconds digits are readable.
9:55
